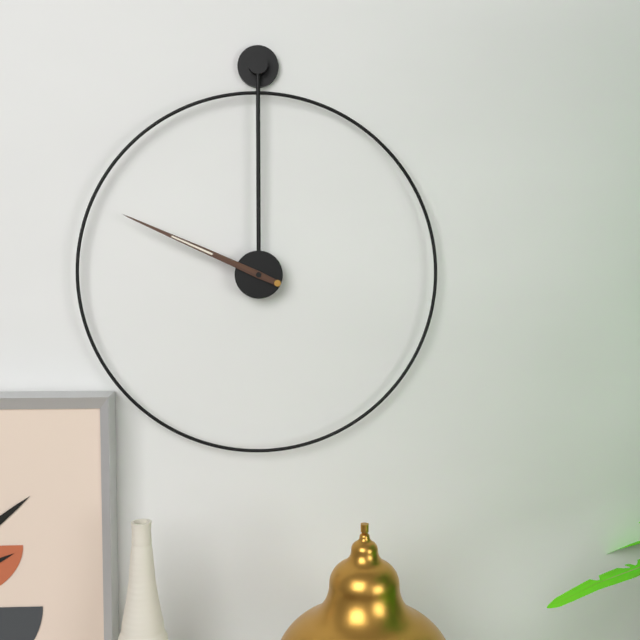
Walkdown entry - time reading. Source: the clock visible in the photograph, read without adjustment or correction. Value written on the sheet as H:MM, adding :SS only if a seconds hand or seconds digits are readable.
9:49
